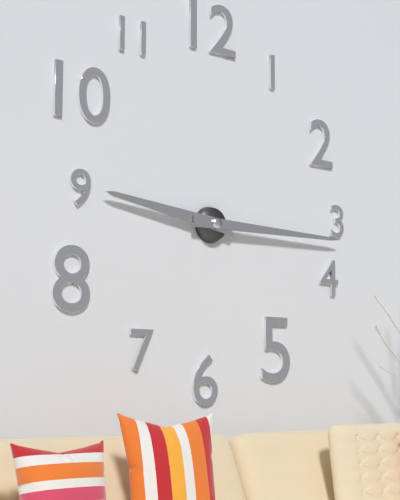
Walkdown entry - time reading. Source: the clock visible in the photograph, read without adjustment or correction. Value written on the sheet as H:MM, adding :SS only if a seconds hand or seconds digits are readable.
9:15
